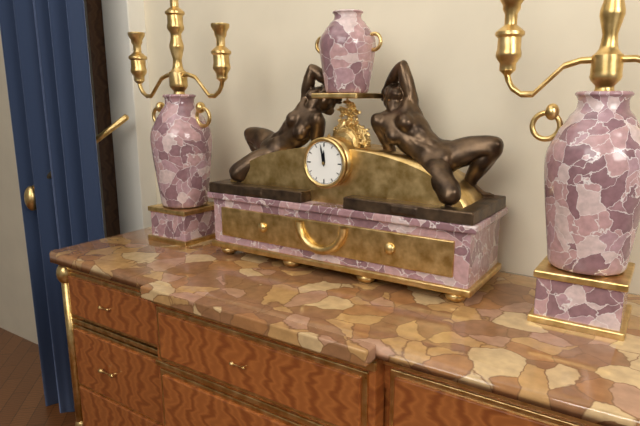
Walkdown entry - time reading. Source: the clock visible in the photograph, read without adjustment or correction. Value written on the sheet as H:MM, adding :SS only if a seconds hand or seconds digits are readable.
11:58
